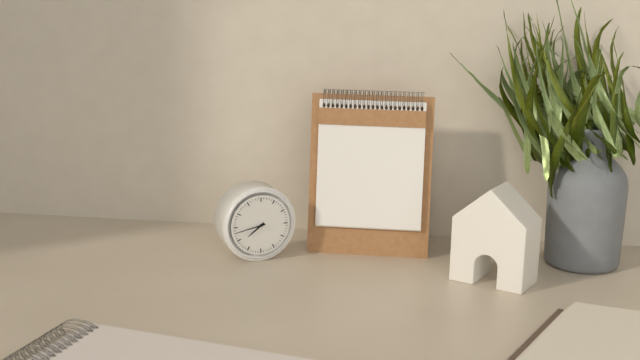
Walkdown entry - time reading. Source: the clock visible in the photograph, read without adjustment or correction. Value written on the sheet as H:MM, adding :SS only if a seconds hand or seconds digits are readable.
7:43
